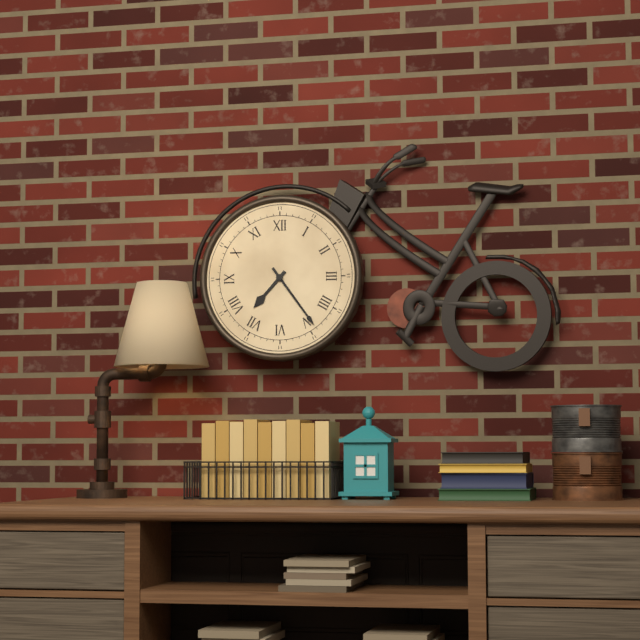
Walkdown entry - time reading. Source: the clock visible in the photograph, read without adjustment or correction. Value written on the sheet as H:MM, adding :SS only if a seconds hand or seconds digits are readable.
7:24
